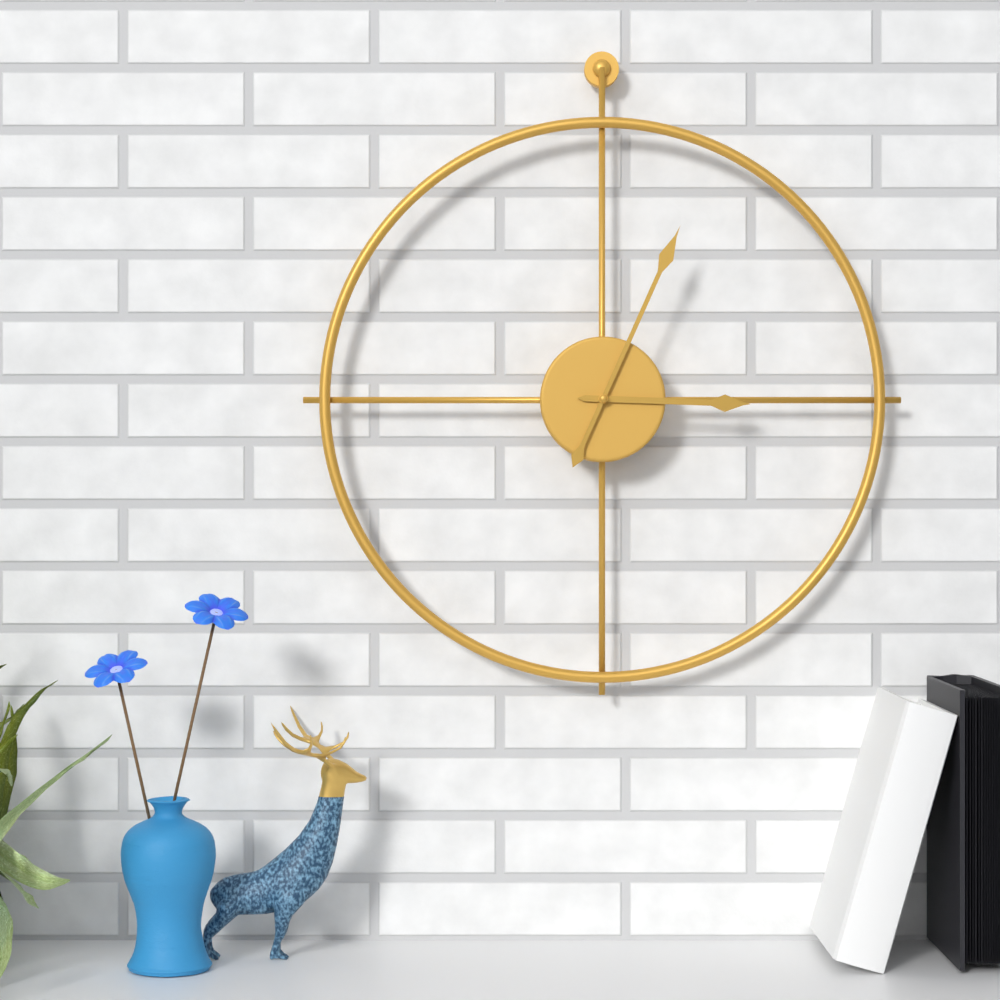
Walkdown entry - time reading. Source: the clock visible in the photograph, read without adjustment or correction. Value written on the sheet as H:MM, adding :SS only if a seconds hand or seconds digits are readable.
3:04
